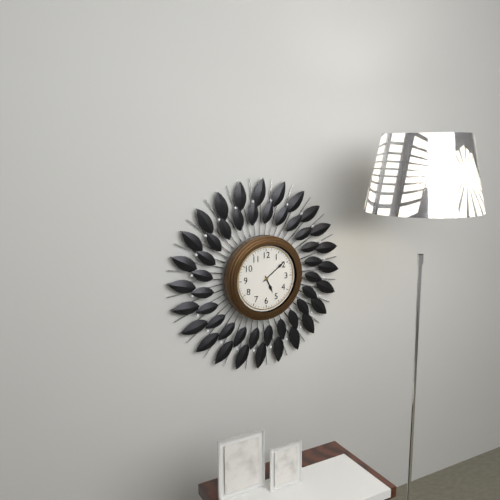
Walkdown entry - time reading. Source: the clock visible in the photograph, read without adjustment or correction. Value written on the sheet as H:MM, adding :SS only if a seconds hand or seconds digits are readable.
5:09
